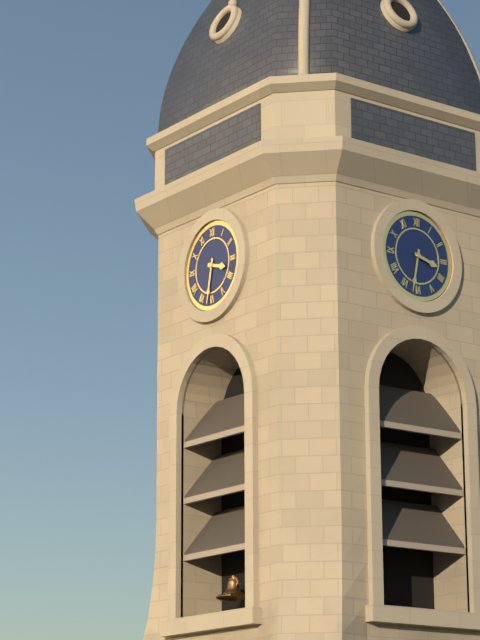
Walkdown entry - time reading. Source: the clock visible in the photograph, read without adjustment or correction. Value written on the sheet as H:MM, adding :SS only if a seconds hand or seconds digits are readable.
3:32
